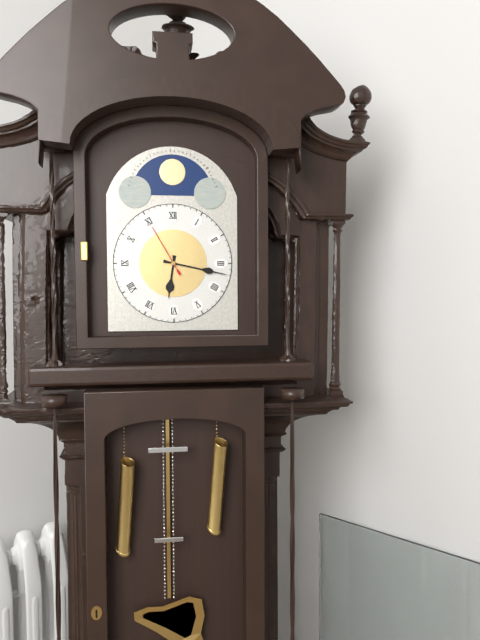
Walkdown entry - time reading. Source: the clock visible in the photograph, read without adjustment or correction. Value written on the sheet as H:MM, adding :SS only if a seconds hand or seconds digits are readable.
6:17:55
